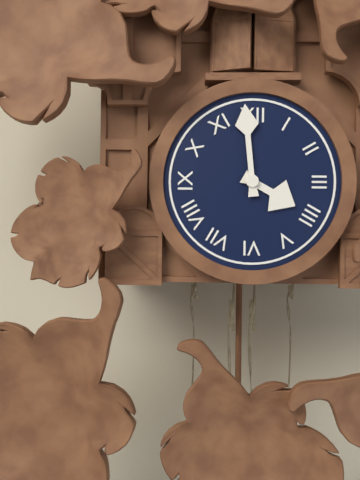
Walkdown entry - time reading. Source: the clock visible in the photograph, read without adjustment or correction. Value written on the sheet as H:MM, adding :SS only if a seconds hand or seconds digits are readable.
3:59
